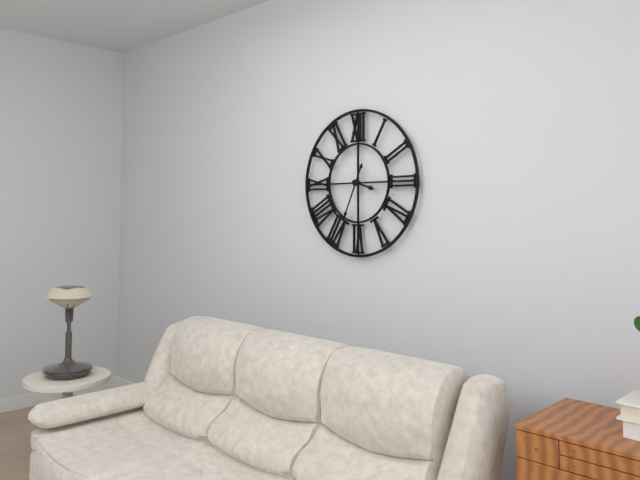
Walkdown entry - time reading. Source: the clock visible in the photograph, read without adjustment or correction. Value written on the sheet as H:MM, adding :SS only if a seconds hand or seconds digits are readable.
3:34
